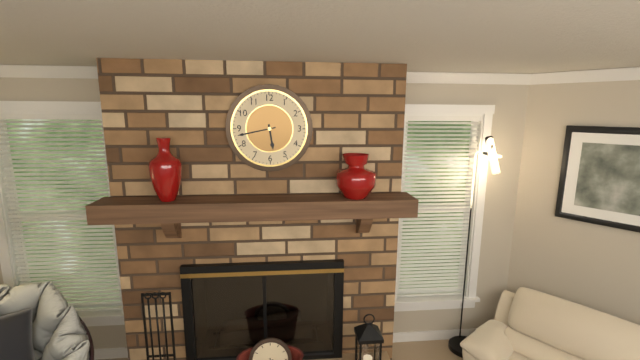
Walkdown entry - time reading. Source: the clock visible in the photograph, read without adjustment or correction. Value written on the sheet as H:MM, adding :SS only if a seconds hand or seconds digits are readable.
5:43
